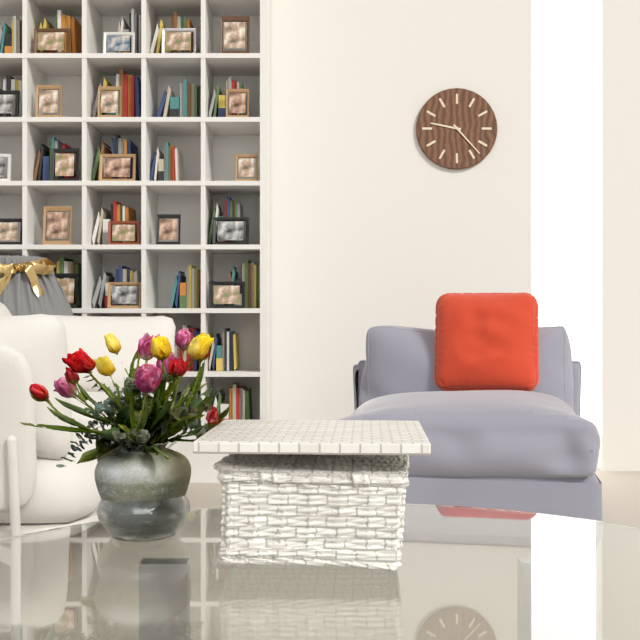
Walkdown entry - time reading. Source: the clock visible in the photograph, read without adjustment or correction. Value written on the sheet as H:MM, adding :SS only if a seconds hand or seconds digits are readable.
9:23
